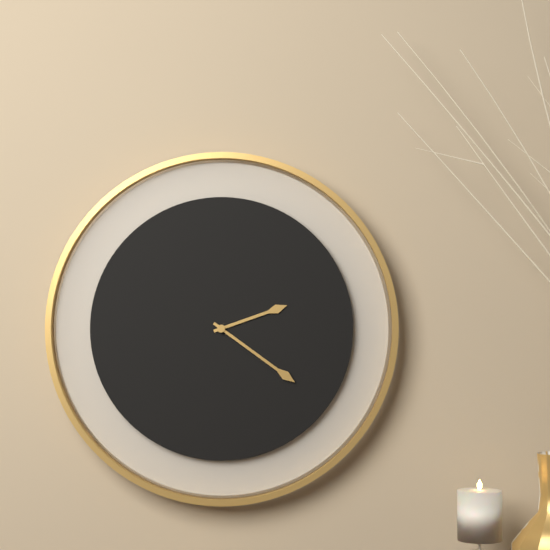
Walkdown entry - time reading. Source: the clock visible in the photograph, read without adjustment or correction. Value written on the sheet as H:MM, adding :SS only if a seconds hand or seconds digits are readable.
2:21
